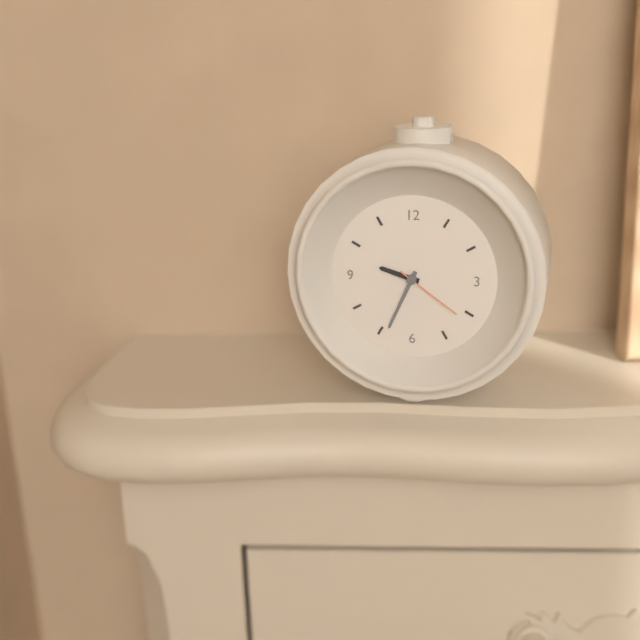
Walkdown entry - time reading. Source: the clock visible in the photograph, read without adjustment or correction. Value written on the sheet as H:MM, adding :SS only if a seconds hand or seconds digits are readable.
9:34:21
